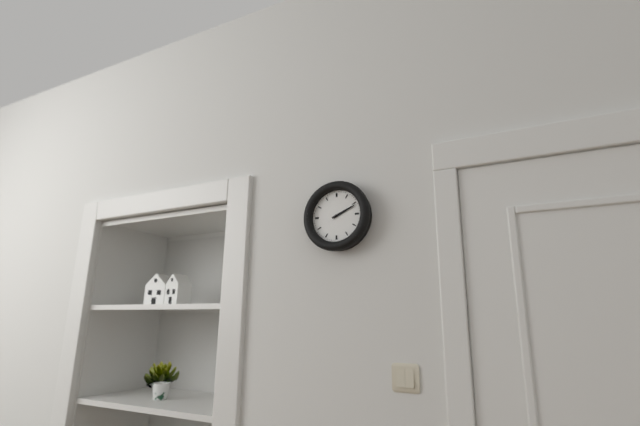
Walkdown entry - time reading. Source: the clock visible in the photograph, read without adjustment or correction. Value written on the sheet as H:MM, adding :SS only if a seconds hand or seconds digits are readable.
2:11
